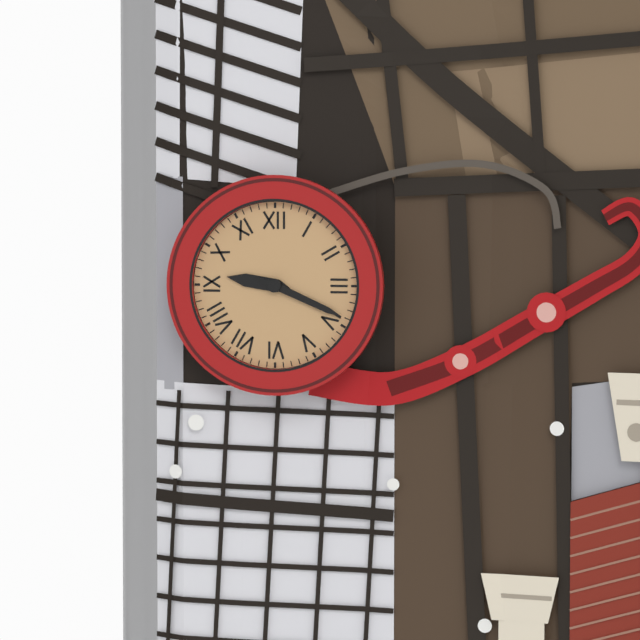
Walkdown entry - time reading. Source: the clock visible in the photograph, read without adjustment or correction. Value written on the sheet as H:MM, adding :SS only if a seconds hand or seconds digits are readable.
9:19
